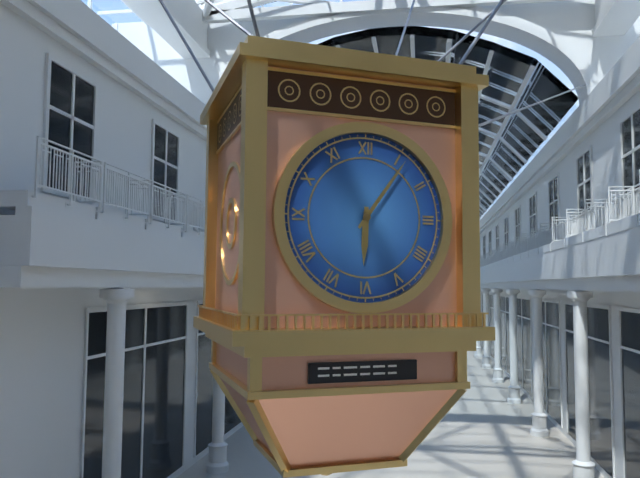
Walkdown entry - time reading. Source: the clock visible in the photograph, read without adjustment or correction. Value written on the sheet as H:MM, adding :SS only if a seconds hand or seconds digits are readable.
6:06
